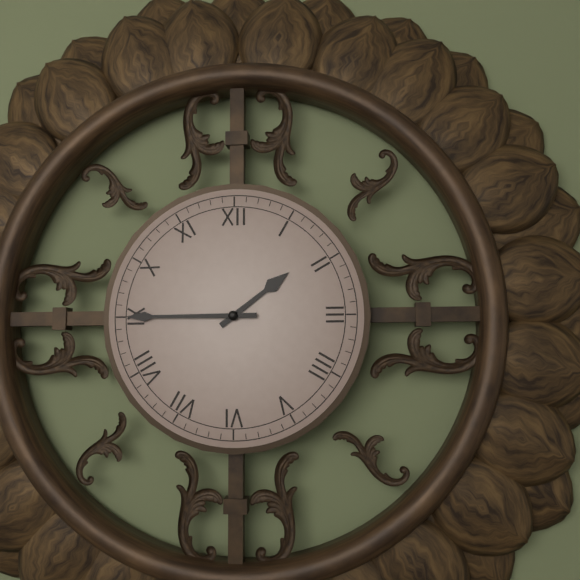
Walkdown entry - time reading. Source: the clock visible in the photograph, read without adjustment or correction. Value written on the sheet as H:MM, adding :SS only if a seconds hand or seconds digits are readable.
1:45
